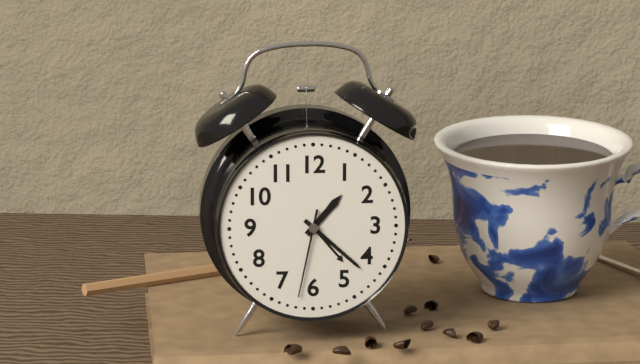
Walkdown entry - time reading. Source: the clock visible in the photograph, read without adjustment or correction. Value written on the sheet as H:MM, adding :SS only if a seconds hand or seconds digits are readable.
1:22:32
